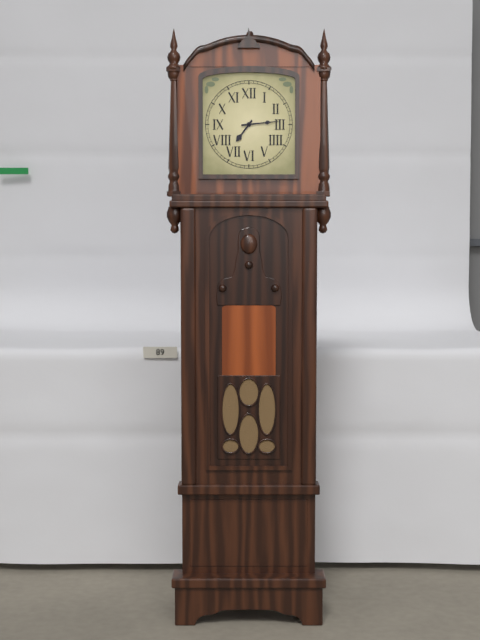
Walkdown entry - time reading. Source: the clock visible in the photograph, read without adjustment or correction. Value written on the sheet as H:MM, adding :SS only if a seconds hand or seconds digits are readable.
7:14
